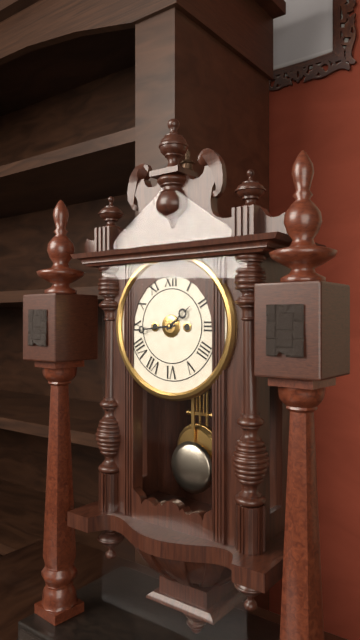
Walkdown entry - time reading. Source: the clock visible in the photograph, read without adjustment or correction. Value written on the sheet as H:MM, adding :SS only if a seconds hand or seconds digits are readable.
1:44
